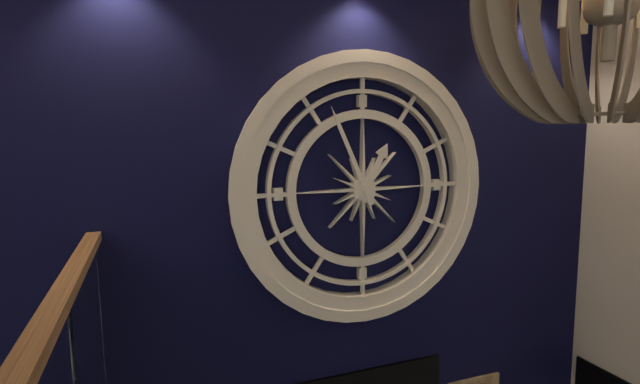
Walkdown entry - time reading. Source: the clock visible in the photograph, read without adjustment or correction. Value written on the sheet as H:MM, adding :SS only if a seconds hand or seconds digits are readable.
12:56
